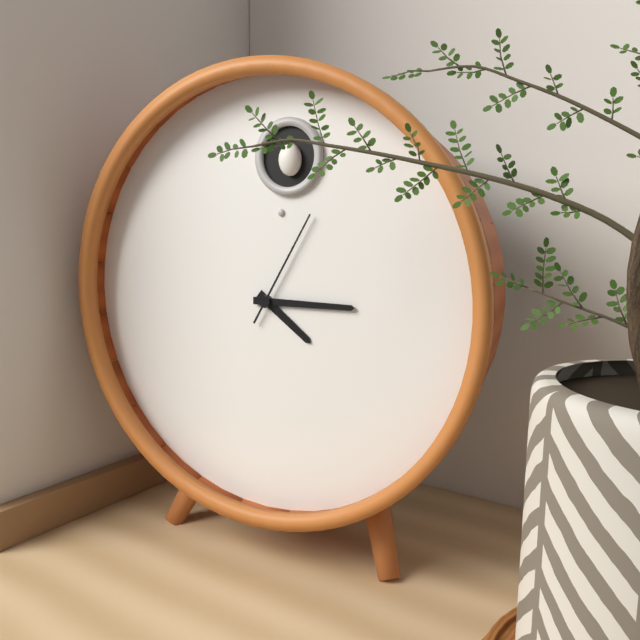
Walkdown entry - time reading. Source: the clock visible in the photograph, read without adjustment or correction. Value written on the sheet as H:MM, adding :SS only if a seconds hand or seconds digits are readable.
4:15:05
